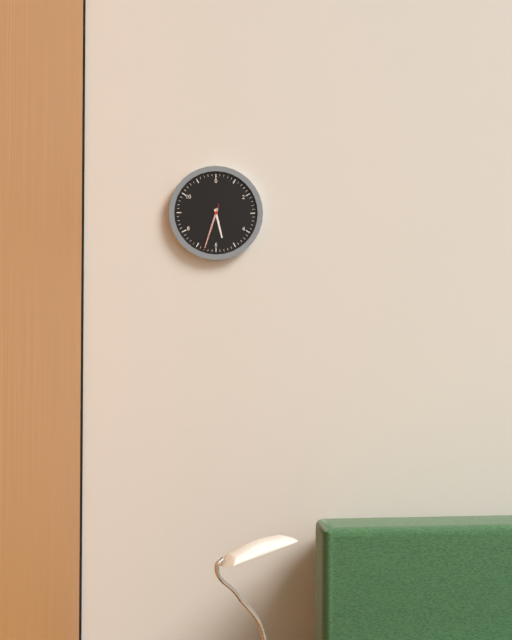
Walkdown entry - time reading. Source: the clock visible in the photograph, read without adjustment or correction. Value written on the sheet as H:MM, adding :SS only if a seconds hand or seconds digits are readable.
5:33
